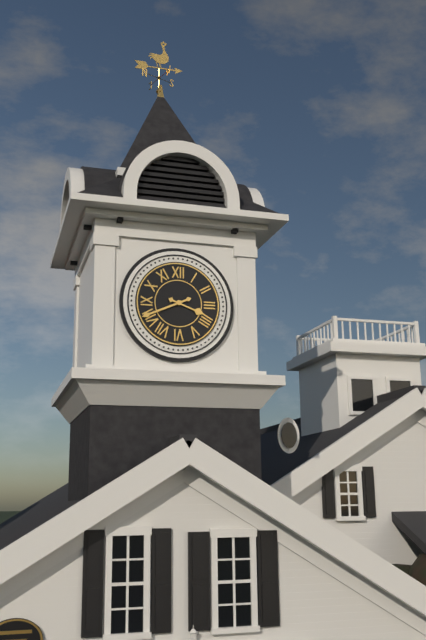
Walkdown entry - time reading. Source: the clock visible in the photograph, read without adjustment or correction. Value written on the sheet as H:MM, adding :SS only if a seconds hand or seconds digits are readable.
3:41
